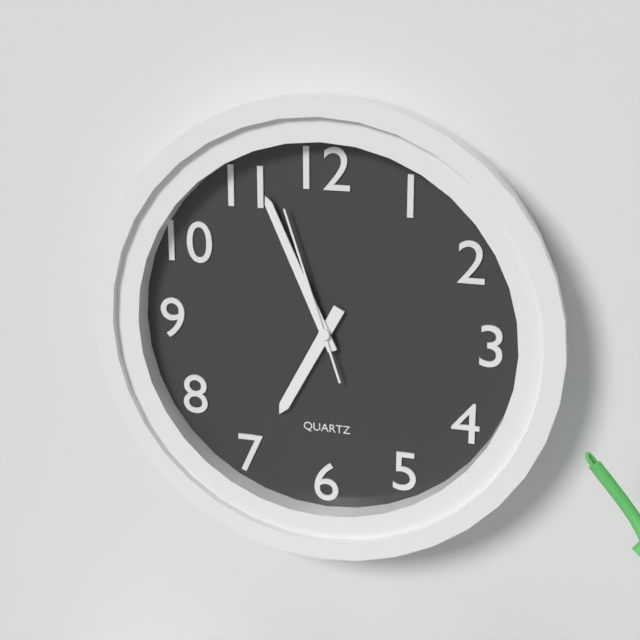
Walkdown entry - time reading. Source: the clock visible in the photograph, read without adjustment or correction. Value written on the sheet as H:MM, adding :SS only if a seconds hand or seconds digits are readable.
6:56:57
